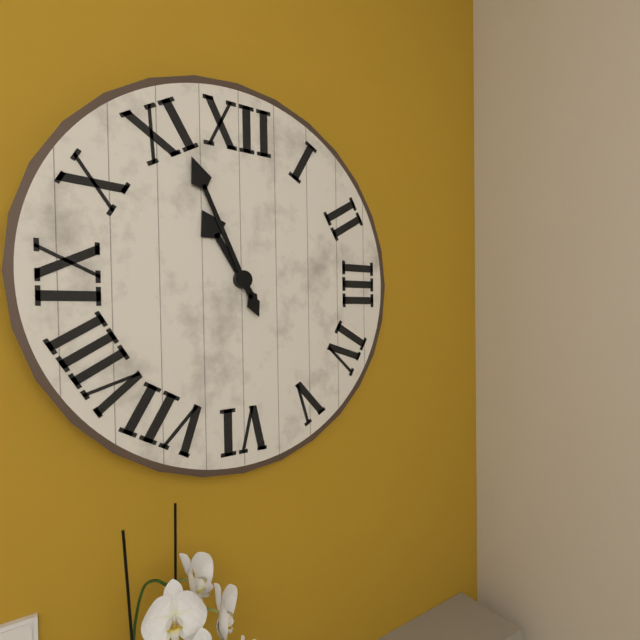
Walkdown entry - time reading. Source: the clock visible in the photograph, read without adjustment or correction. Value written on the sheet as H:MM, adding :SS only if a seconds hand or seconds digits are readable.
10:56
